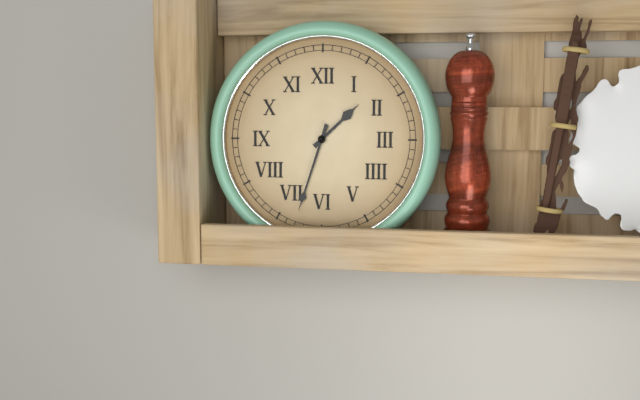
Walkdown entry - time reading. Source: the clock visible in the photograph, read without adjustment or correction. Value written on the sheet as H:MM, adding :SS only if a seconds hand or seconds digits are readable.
1:33
